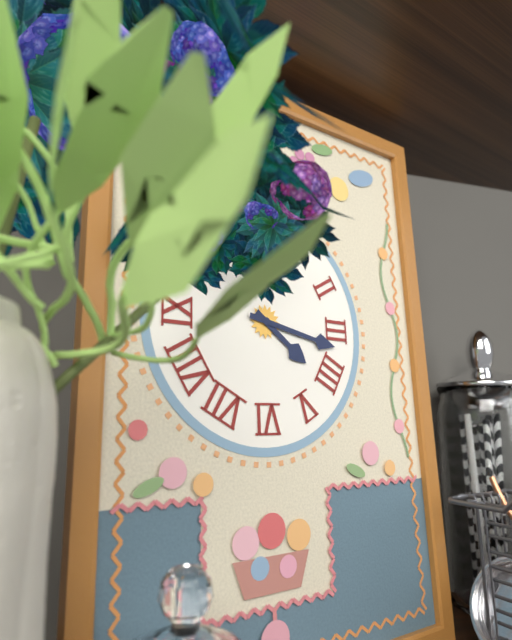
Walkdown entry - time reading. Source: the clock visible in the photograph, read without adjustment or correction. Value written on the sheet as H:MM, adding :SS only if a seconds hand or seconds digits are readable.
4:17
